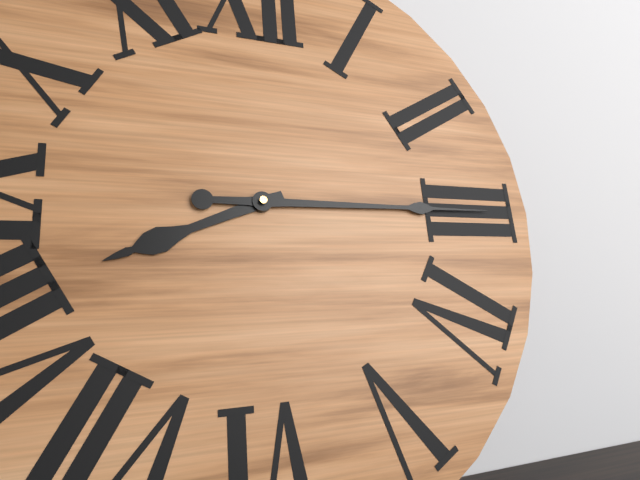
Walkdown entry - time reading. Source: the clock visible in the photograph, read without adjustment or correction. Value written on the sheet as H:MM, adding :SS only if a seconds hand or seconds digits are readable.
8:15
